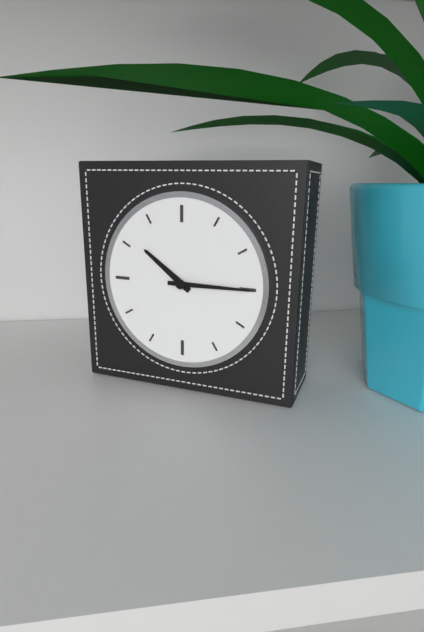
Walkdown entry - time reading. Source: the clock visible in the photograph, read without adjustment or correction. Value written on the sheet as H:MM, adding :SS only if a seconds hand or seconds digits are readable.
10:15
